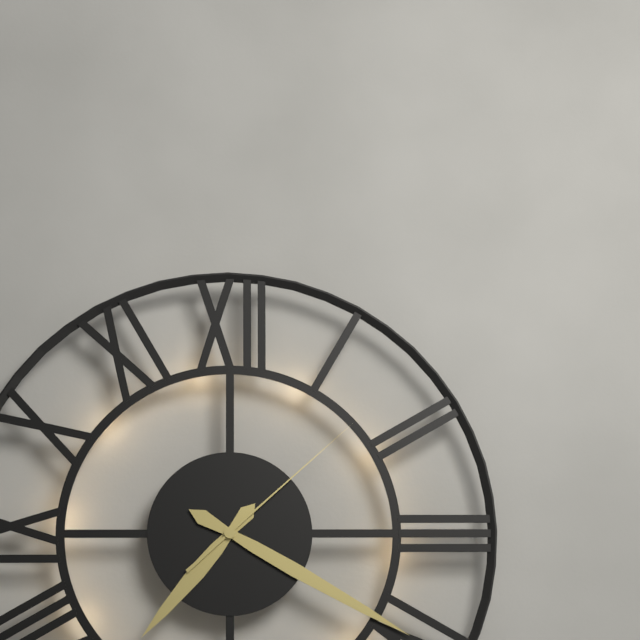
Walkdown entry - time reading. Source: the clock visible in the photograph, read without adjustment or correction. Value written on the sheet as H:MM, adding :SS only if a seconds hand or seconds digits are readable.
7:20:08
